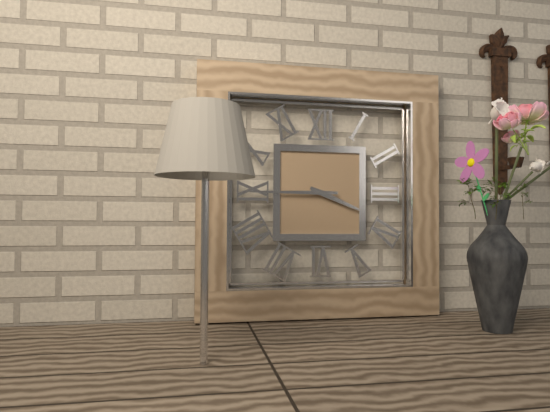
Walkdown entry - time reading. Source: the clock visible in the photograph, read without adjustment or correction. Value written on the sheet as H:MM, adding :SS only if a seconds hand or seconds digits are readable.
3:45
